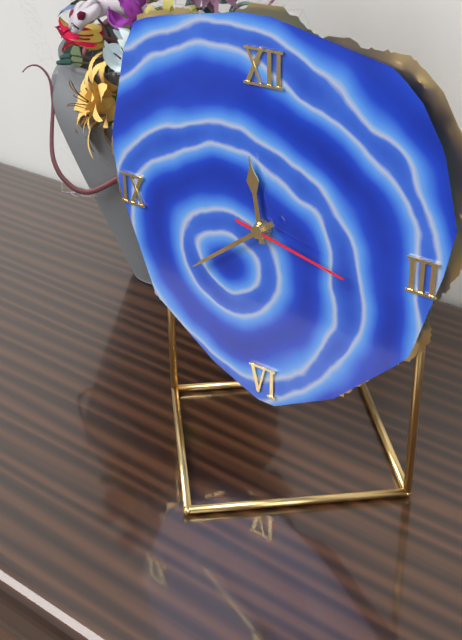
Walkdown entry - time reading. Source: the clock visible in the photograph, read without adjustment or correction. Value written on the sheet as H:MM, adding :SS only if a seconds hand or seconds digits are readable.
11:39:17
